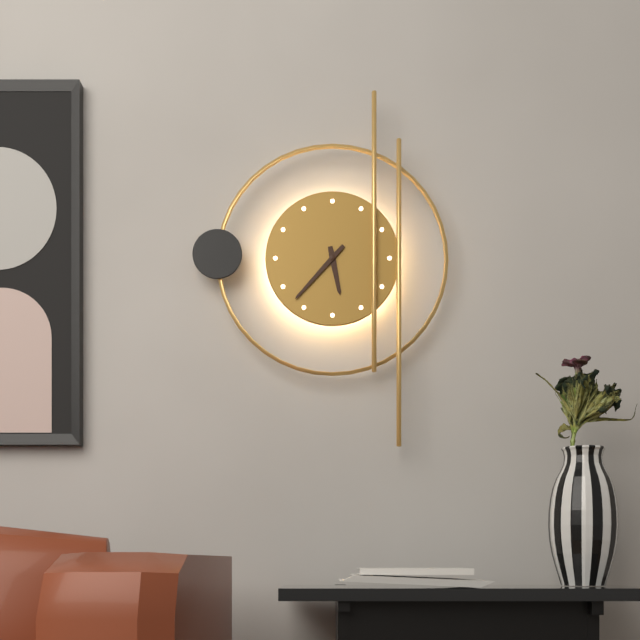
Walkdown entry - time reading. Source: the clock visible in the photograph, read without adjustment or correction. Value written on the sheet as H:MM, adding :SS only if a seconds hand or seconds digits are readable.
5:37
